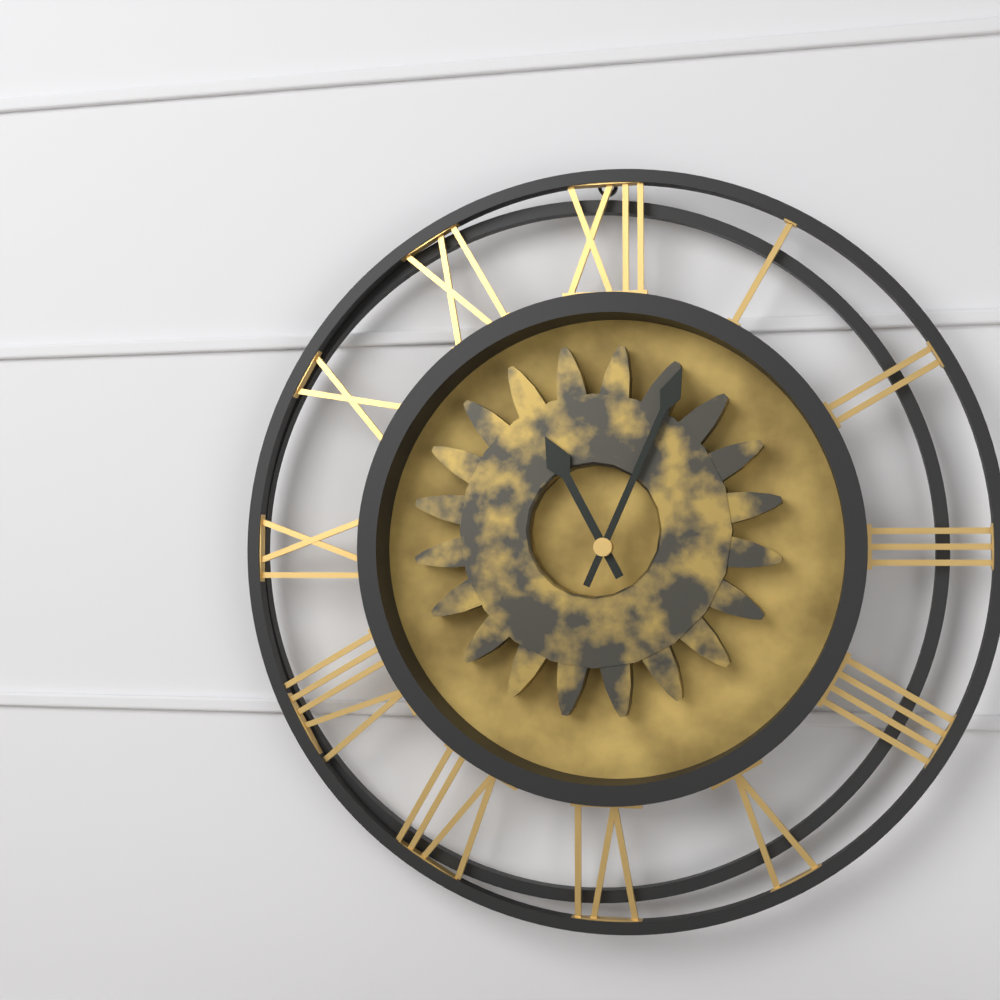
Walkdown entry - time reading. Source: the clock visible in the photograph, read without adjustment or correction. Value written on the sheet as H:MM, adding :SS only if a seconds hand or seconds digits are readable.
11:04
